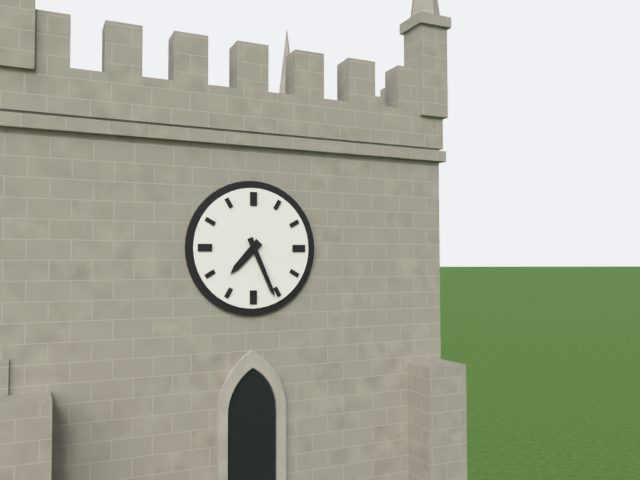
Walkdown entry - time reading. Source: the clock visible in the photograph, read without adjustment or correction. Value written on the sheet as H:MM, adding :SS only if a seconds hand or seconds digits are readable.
7:26
